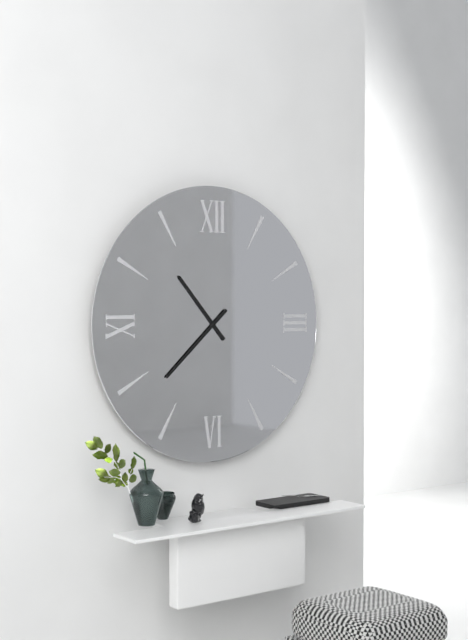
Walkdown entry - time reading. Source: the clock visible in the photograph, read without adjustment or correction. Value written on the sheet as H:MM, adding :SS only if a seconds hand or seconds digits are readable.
10:38
